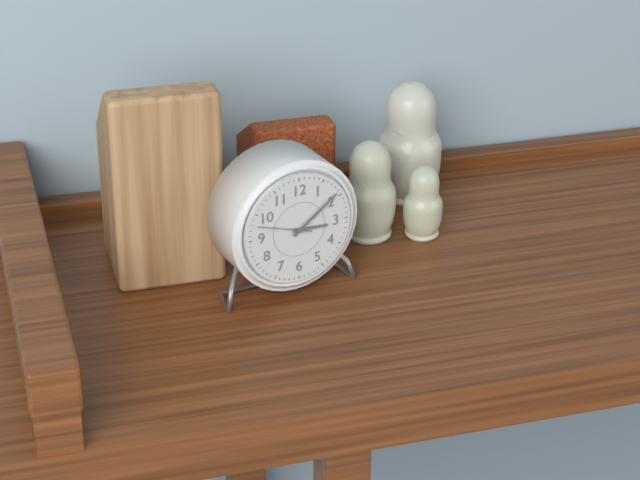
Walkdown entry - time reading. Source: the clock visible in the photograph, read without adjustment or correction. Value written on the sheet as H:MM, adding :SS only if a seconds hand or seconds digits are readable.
3:09:48
